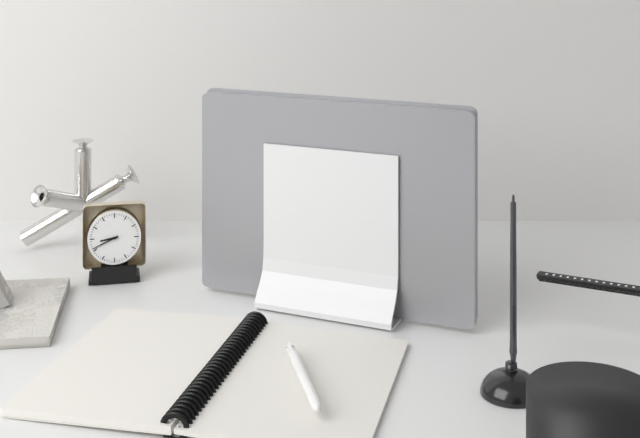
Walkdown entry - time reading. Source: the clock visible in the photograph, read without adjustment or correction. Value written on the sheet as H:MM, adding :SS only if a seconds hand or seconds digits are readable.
8:41
